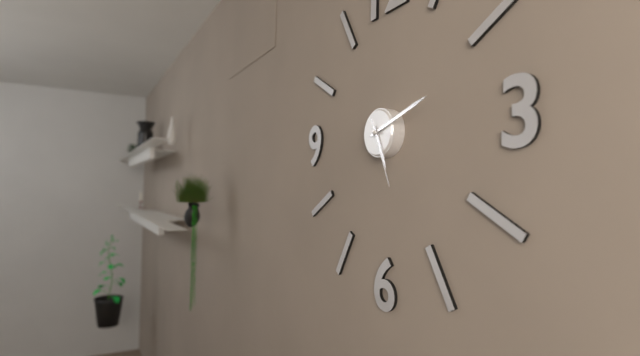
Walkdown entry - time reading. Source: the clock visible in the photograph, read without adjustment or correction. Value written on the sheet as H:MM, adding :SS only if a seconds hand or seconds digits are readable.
5:12:26
